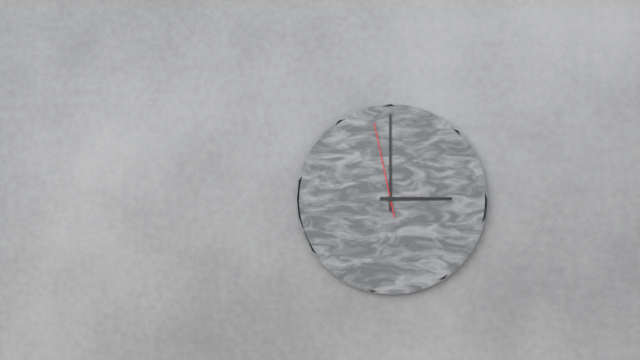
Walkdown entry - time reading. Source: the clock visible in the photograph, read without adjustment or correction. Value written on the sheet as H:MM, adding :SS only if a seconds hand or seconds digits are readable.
3:00:58
